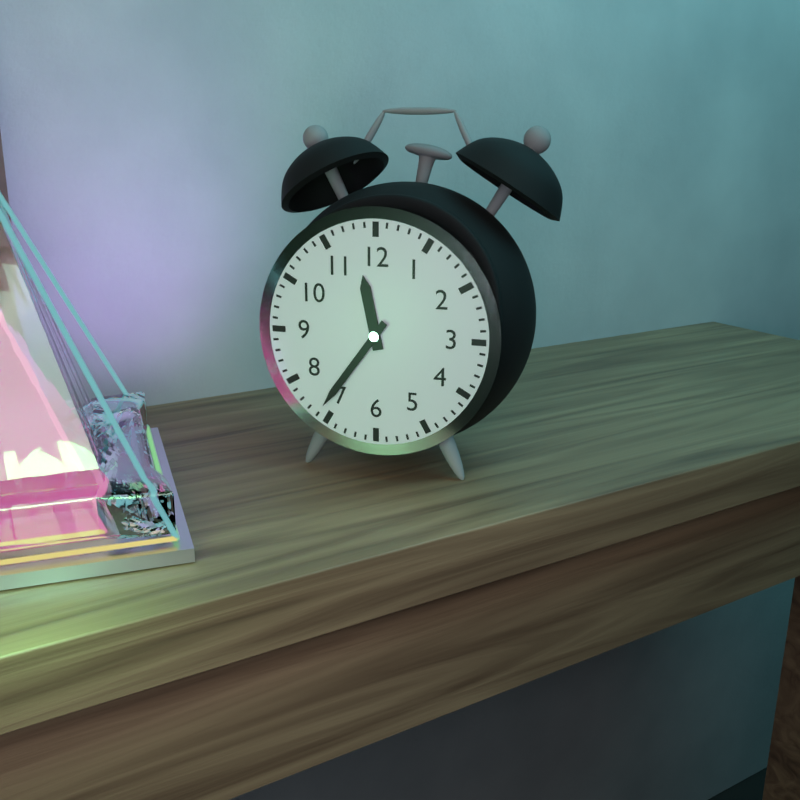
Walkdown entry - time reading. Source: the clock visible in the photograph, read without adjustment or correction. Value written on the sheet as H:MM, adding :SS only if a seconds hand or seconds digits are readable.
11:36
